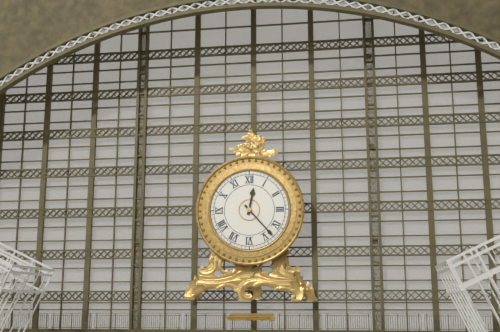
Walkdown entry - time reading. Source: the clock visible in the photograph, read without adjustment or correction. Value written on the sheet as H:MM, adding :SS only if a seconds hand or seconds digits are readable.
12:23
